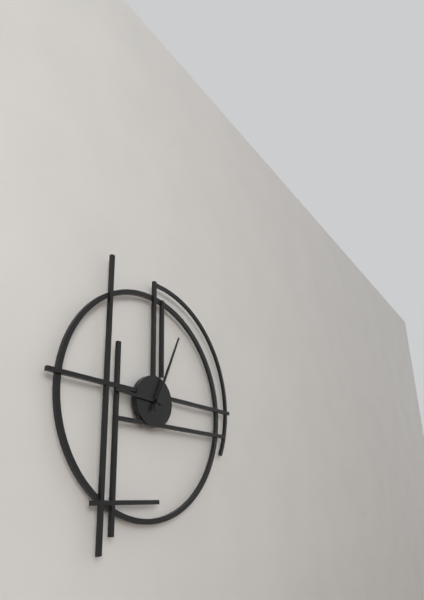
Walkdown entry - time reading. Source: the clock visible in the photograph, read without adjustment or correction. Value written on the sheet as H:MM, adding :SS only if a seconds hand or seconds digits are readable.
9:04
